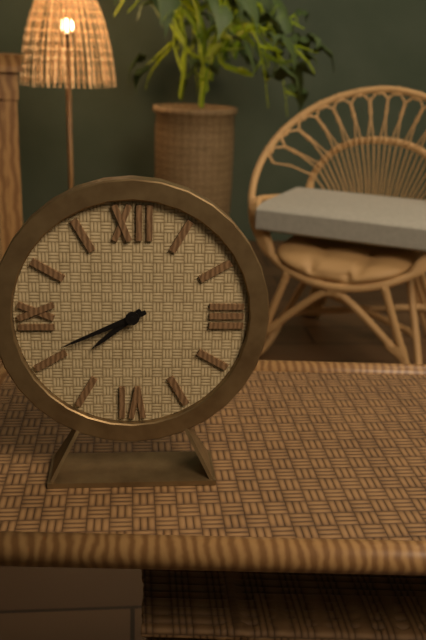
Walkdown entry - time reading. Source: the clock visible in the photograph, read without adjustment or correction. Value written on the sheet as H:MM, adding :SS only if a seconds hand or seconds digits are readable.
7:41
